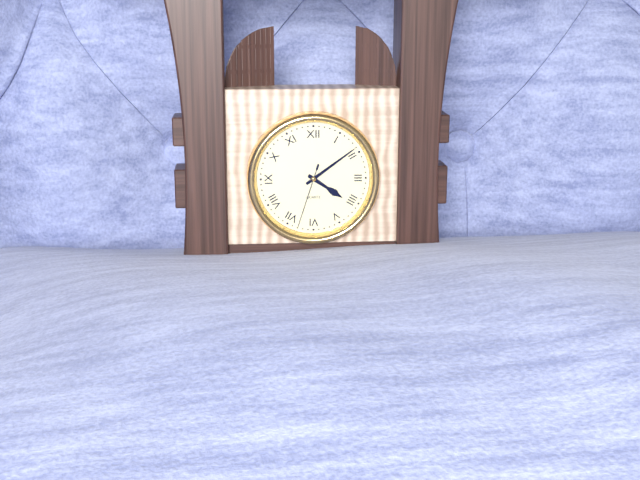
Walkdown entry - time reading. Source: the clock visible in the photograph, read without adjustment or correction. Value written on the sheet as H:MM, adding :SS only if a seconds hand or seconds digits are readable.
4:09:33
